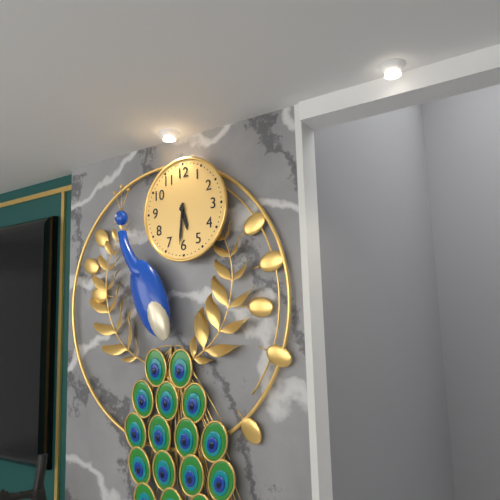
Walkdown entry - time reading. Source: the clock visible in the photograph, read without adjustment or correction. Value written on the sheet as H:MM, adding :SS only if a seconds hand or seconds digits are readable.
5:31
